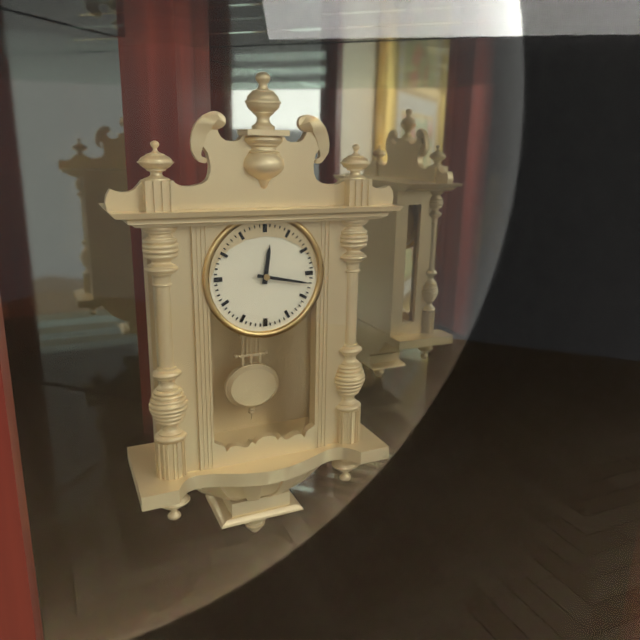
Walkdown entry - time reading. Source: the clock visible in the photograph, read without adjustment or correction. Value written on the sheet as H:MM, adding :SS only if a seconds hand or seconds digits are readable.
12:17
